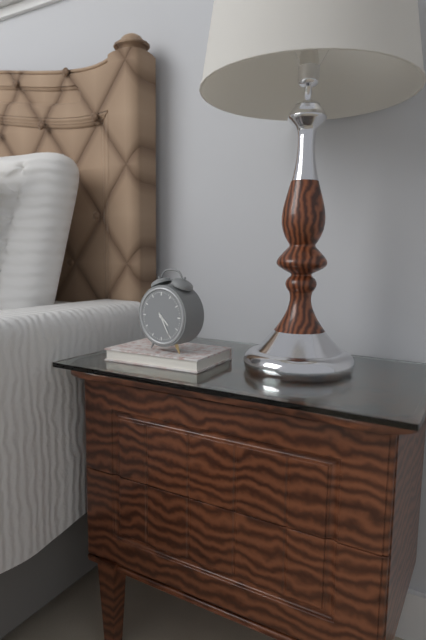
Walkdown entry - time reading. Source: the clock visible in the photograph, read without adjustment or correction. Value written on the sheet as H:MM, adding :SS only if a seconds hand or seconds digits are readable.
4:25
